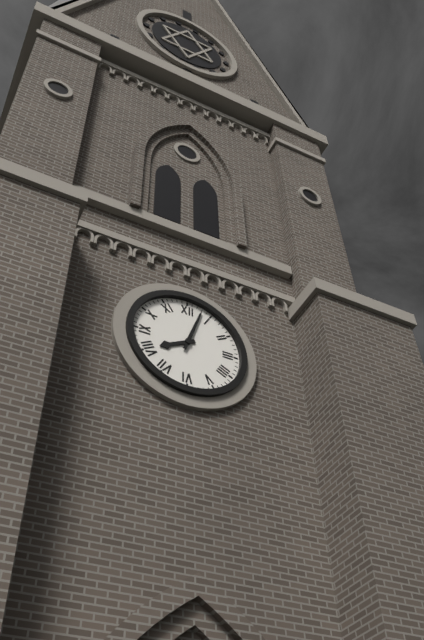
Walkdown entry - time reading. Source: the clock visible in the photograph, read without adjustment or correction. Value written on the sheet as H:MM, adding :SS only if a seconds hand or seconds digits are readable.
8:03
